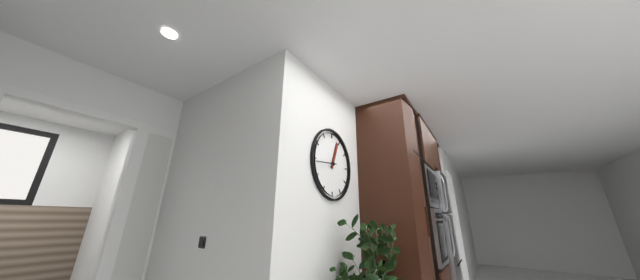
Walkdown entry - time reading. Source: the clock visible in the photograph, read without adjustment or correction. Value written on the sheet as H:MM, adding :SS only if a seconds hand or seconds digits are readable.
12:44
